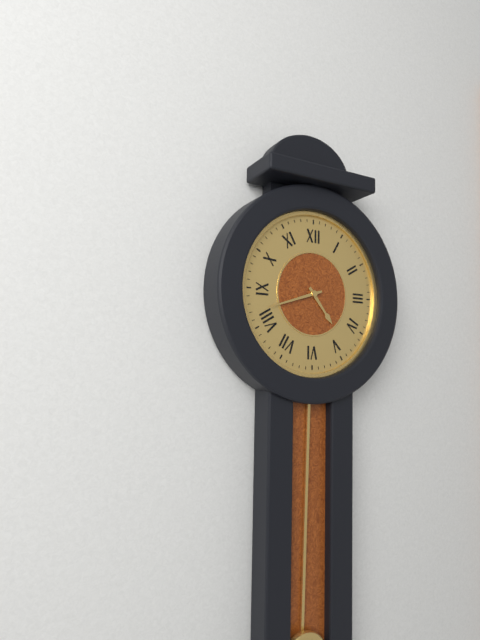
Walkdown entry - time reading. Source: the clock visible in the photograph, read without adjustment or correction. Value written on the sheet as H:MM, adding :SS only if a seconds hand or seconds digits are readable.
4:42
